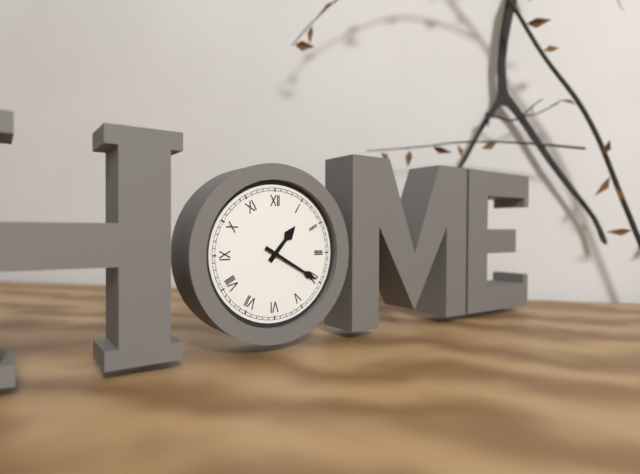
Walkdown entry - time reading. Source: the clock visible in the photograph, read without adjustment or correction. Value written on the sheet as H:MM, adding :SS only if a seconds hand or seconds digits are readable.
1:20
